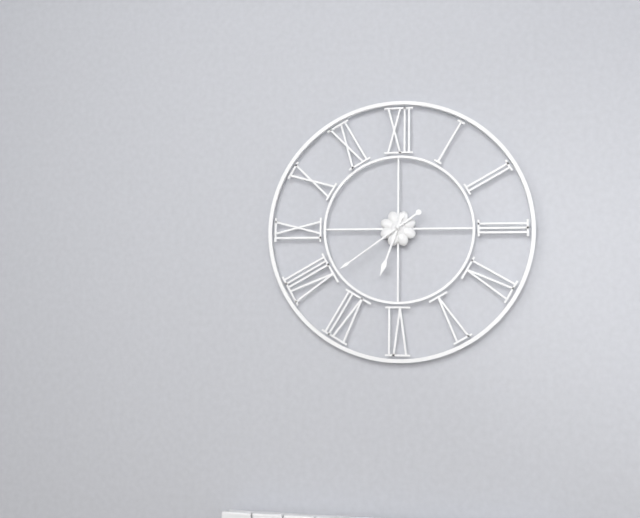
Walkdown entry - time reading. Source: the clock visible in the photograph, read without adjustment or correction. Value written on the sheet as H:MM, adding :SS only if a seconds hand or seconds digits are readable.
6:39
